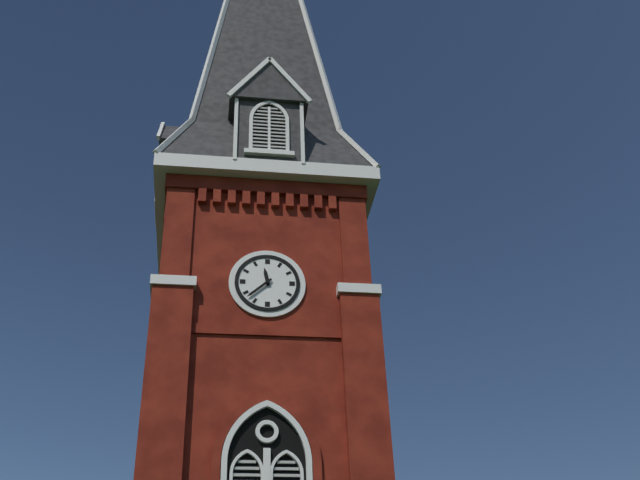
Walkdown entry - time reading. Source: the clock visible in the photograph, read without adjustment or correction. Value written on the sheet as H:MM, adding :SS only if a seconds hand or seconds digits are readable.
11:38
